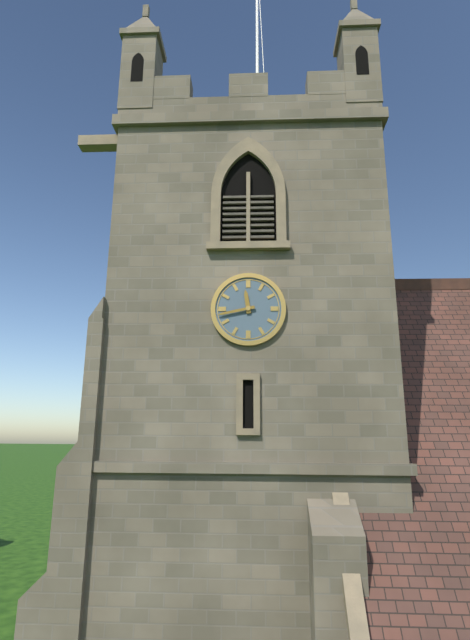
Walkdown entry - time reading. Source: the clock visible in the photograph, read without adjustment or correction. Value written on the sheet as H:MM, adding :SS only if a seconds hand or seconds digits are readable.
11:43
